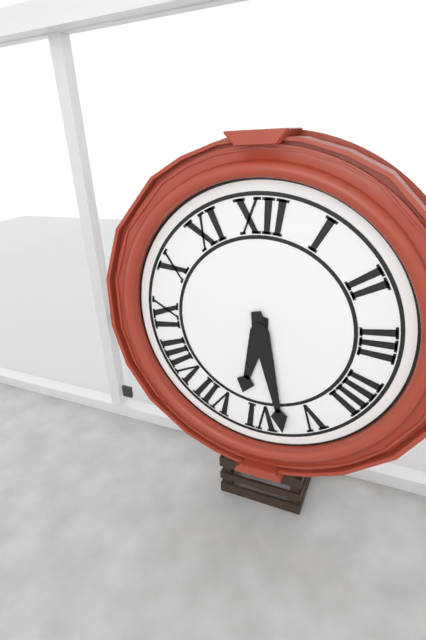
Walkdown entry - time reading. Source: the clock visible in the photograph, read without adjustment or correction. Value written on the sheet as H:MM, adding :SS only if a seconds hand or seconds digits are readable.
6:28
